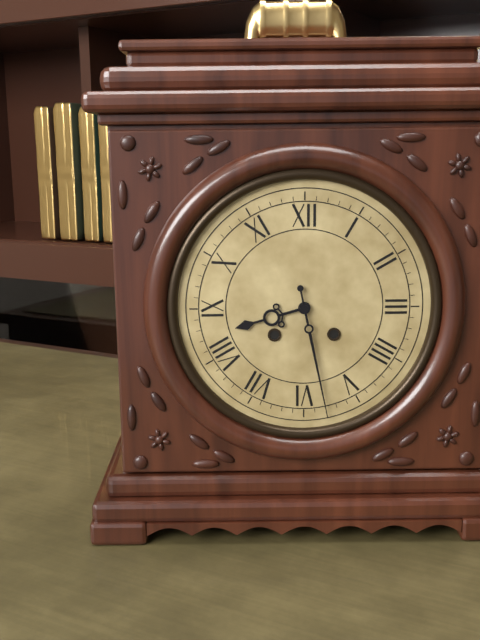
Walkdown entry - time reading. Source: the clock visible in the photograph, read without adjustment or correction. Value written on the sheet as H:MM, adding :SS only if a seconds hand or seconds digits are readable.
8:28
